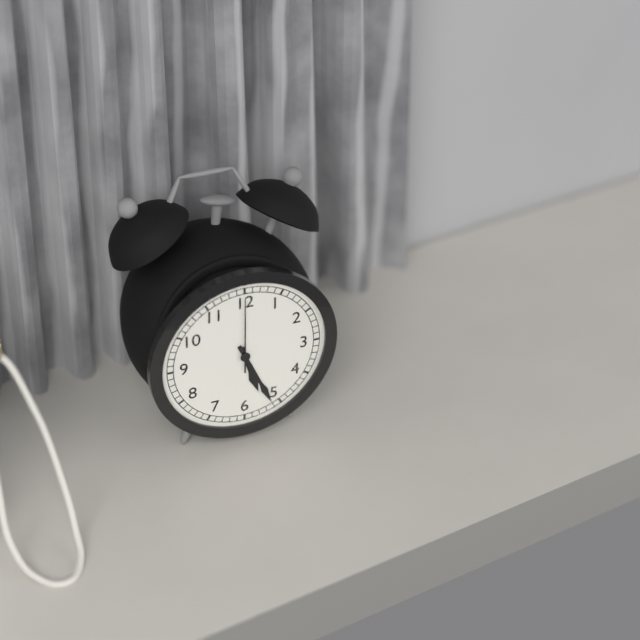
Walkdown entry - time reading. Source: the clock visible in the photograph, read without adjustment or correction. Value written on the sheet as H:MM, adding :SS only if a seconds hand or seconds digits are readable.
5:26:00
